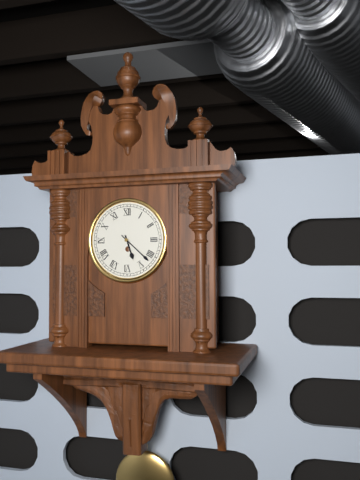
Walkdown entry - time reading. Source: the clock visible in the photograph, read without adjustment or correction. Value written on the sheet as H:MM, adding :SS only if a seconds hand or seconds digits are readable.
5:22
